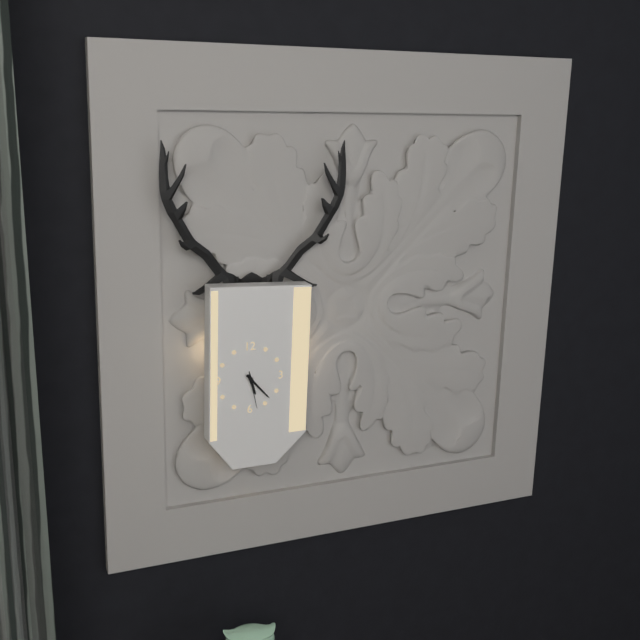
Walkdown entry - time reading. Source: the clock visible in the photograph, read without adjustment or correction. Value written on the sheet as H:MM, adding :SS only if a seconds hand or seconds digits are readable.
5:23
